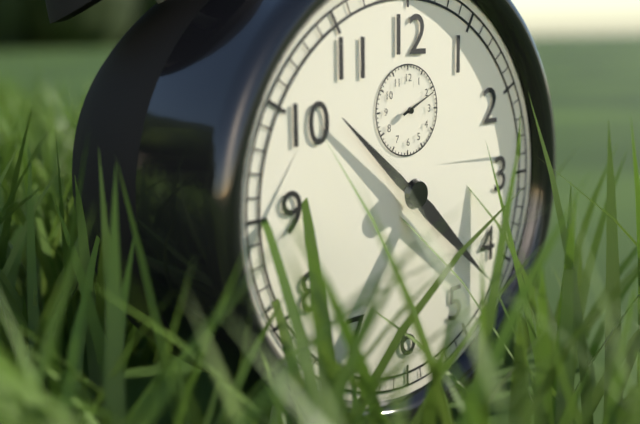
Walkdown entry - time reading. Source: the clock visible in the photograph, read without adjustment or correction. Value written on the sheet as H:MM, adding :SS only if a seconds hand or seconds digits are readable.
10:22
